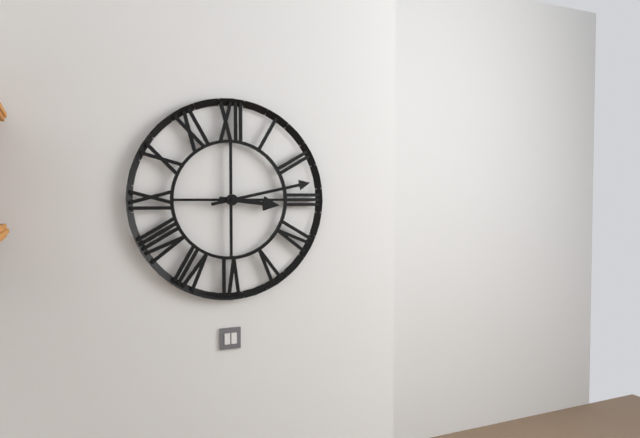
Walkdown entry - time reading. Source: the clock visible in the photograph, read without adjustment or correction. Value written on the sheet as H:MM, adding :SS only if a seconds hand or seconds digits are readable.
3:13
